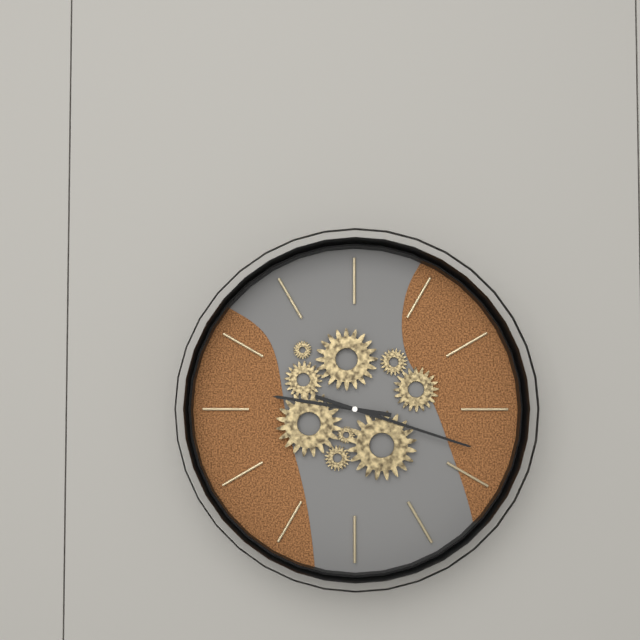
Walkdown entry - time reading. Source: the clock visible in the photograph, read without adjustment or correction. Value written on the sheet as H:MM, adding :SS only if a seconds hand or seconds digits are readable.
9:18
